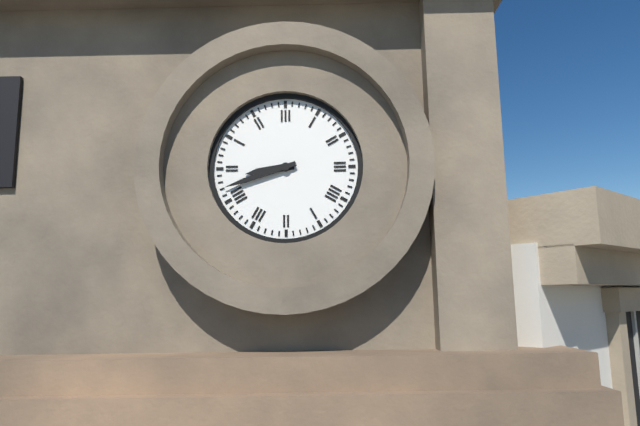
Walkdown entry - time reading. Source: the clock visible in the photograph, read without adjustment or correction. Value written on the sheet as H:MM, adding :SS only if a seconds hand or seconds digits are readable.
8:42
